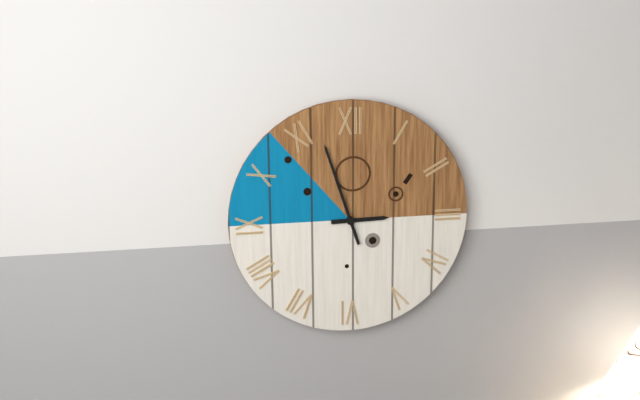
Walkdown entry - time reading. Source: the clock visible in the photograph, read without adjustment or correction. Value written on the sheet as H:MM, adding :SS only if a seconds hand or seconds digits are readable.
2:57
